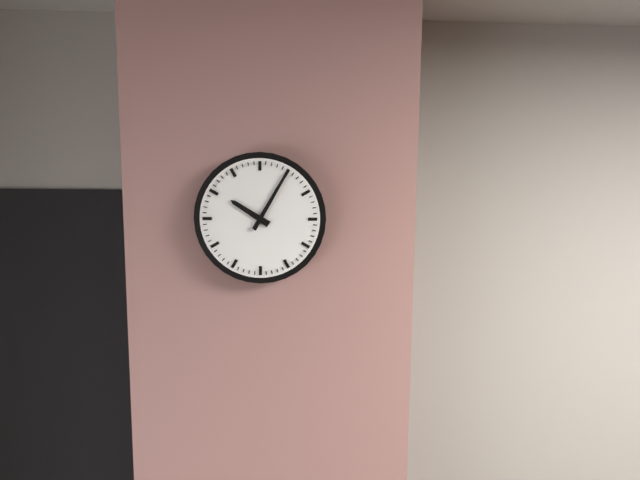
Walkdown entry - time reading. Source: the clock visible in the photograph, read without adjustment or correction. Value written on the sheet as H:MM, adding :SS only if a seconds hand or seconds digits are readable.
10:05
